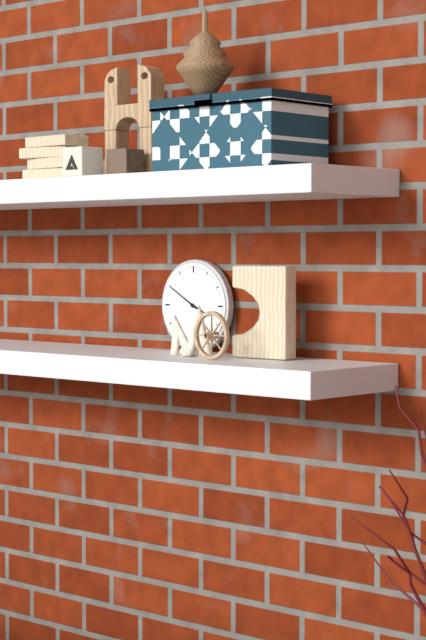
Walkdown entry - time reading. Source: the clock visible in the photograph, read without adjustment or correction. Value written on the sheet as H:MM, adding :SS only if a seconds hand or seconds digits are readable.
3:50
